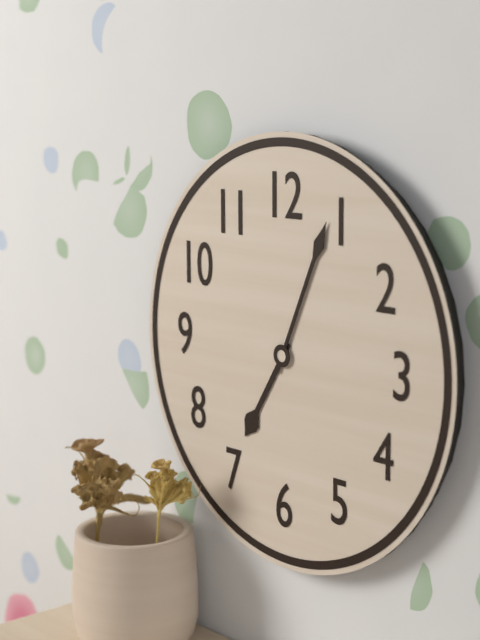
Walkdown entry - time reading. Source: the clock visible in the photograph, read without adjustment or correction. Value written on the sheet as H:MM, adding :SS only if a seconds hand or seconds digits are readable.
7:04
